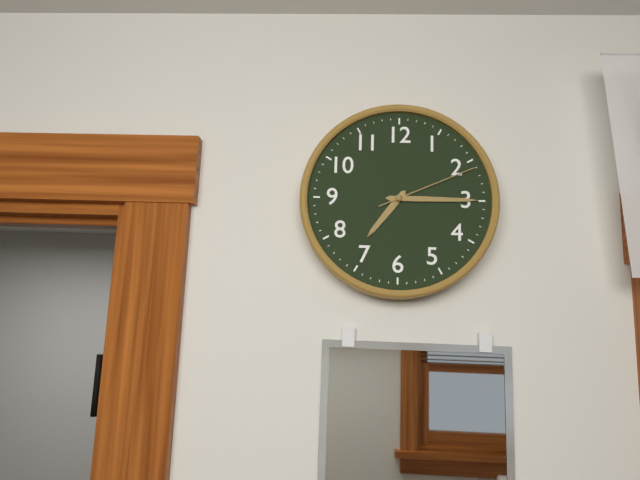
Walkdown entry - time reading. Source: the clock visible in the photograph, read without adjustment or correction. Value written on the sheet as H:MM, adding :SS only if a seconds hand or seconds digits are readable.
7:15:11
